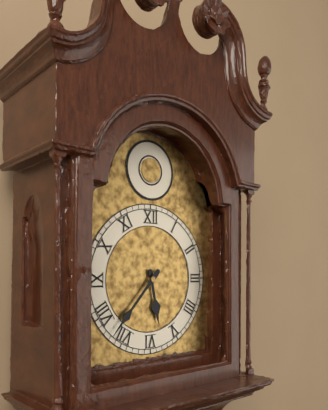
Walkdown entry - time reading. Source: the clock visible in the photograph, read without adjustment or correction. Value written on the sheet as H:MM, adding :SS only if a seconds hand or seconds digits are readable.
5:37
